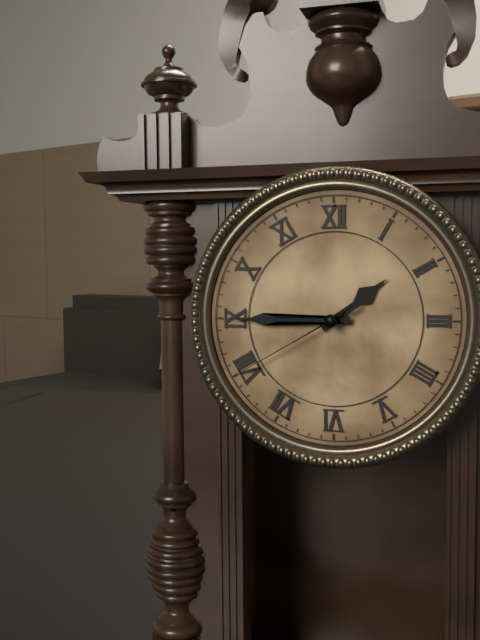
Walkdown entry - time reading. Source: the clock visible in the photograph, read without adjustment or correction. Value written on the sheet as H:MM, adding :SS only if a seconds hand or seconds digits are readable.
1:45:40
